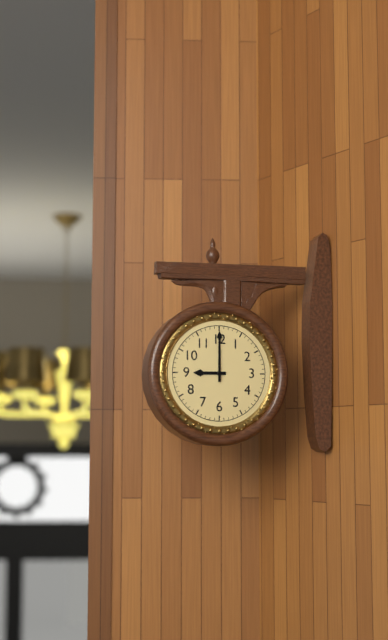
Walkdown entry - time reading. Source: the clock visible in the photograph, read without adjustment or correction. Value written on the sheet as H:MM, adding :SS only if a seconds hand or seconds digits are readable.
9:00
